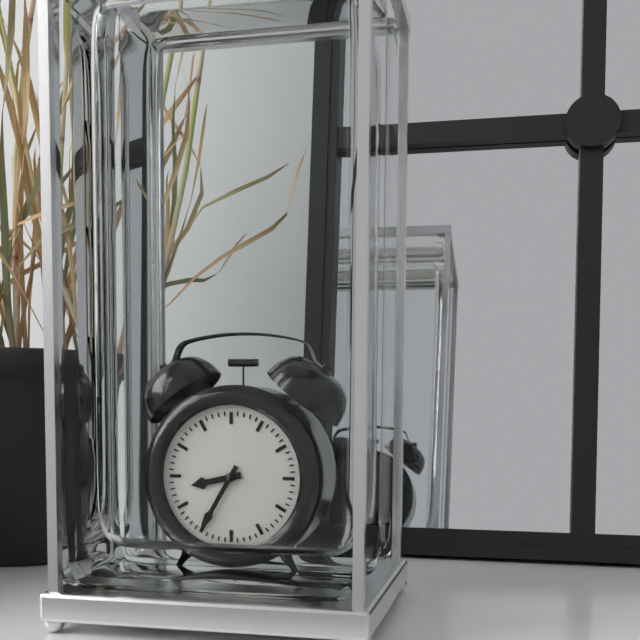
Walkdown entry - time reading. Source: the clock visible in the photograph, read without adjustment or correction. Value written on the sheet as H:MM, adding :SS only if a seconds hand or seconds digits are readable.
8:35
